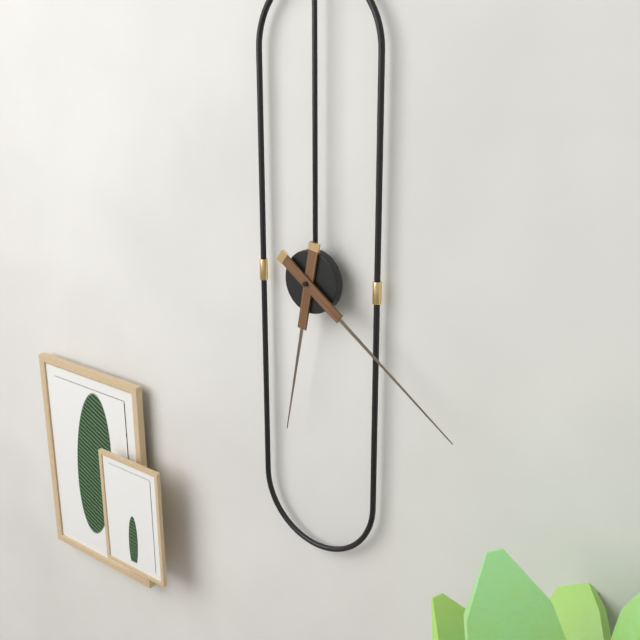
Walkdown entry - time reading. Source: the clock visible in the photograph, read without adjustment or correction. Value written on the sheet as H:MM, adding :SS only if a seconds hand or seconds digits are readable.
6:21
